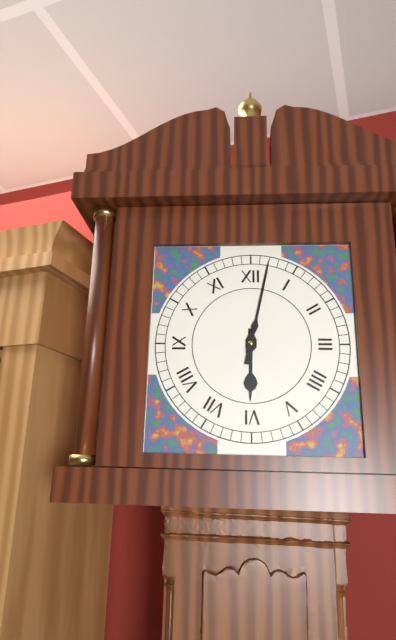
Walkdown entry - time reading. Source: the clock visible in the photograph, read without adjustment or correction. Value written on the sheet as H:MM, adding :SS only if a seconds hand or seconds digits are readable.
6:02
